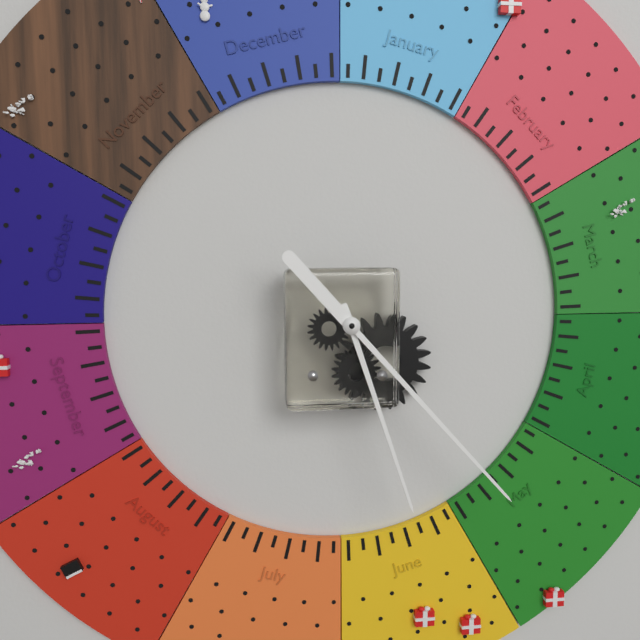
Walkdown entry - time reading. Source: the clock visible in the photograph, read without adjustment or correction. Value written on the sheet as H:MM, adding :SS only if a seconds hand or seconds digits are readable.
5:23
